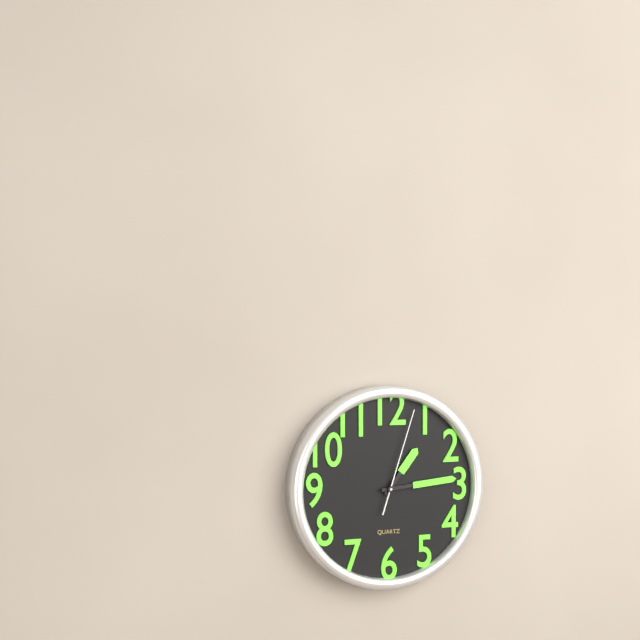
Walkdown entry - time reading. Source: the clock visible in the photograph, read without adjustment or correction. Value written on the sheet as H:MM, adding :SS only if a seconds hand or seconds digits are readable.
1:14:03
